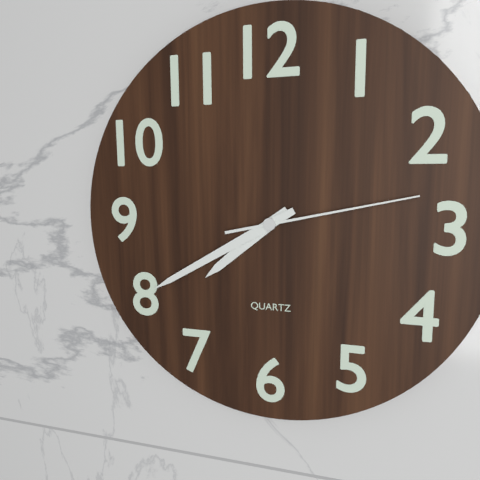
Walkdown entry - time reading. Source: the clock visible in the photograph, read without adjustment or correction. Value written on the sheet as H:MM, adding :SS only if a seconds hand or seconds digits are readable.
7:40:13
